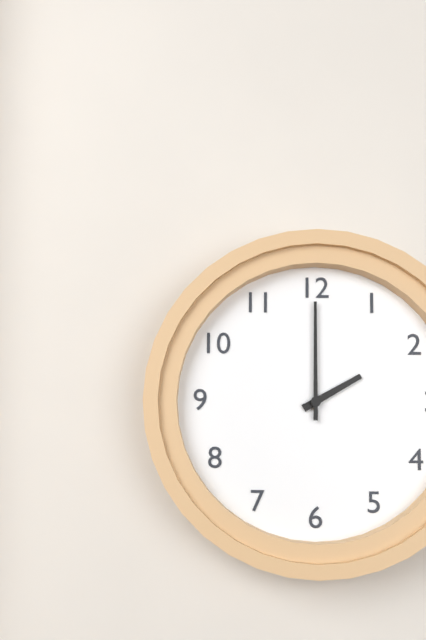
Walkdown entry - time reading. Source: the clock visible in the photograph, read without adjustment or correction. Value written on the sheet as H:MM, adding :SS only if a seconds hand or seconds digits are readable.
2:00
